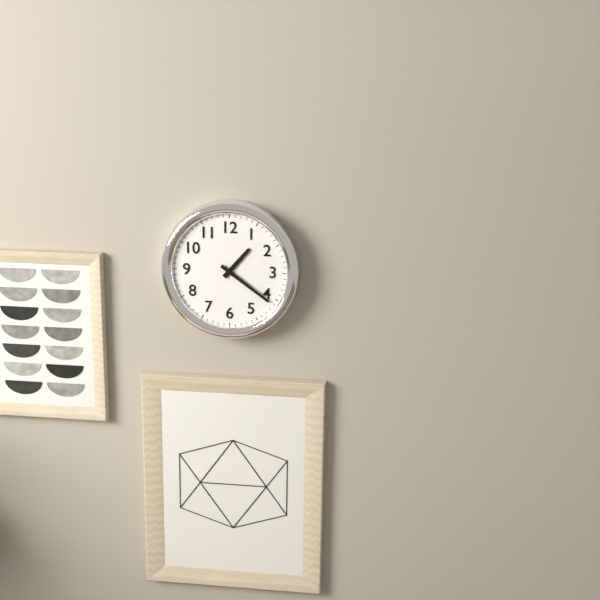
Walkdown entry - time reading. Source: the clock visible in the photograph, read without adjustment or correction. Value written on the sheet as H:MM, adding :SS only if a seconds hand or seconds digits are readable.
1:21
